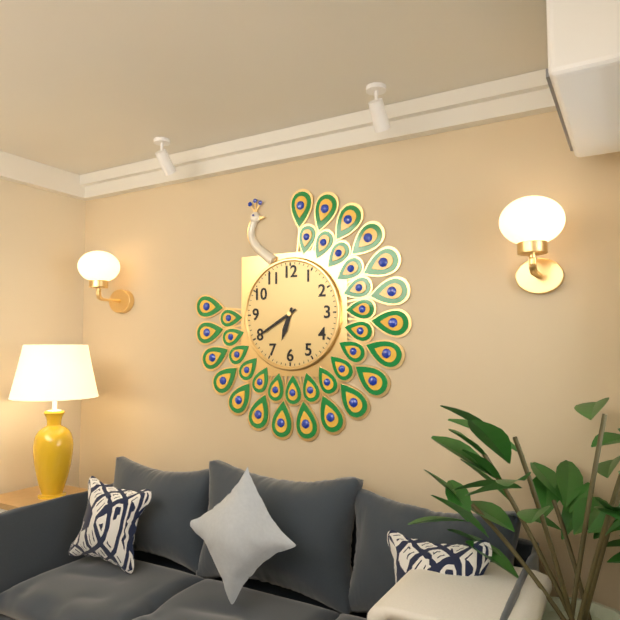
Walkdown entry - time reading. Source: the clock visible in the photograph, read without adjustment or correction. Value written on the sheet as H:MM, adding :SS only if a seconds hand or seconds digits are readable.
6:40
